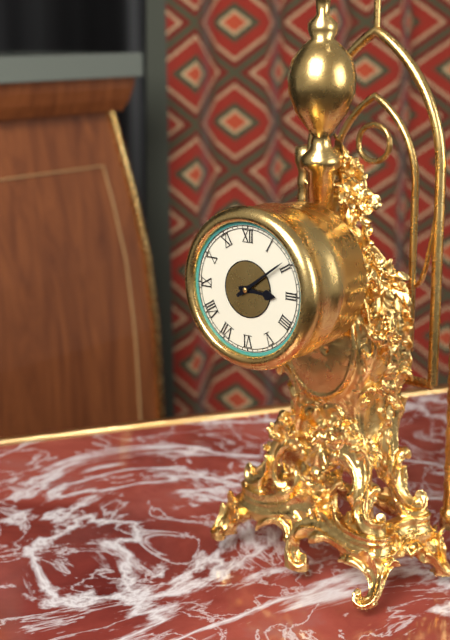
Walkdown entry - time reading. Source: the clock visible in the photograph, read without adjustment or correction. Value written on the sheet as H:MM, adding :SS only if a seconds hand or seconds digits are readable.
3:09
